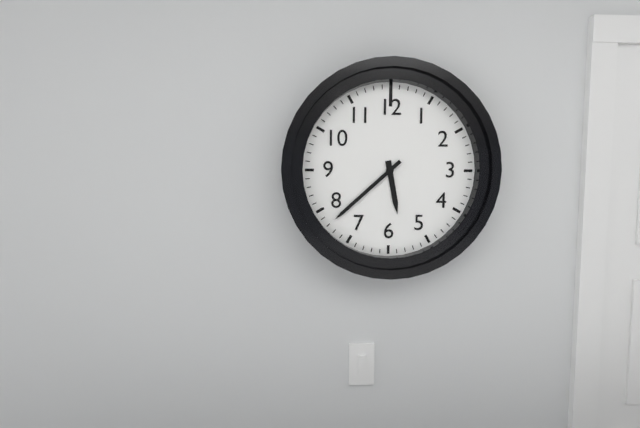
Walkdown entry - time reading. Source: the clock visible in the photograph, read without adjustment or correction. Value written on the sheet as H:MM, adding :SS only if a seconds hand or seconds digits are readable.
5:38
